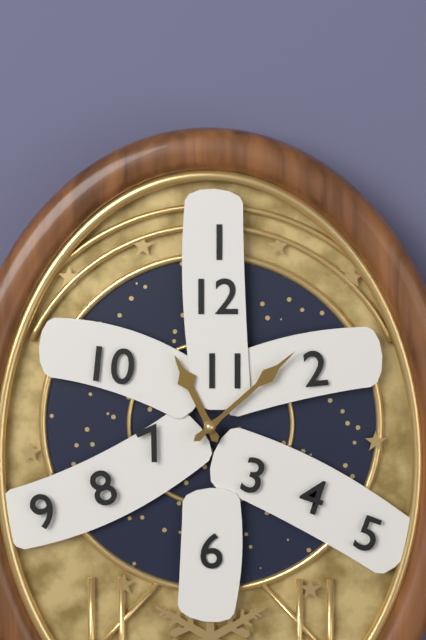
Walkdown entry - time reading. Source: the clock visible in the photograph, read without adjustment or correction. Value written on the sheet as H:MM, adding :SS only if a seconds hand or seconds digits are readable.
11:08
